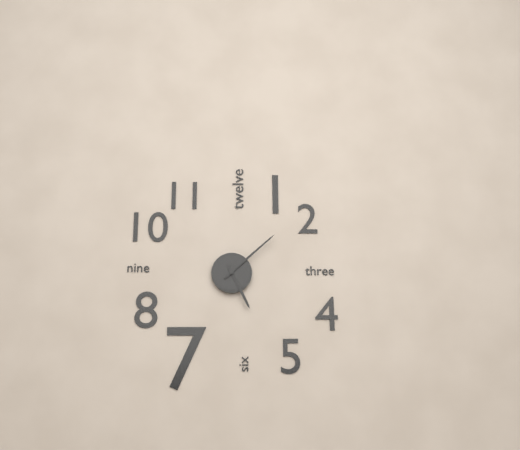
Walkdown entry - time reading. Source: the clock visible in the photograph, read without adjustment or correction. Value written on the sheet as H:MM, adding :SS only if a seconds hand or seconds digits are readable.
5:08
